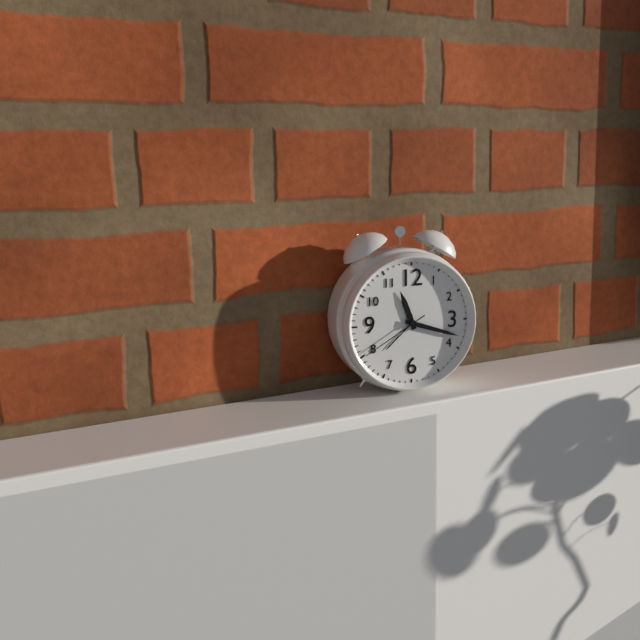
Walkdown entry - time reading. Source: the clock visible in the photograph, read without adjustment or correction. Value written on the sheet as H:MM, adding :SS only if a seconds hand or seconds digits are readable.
11:18:40
